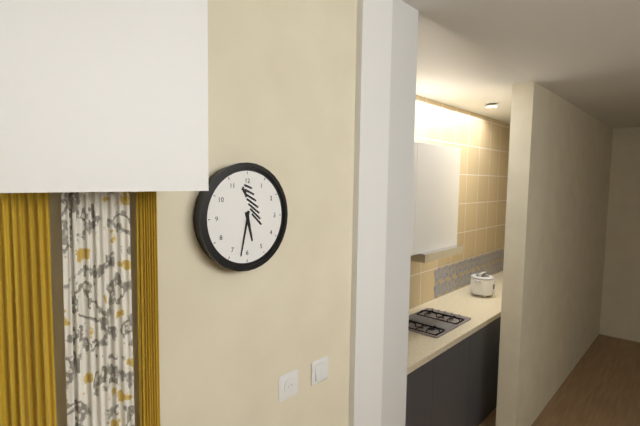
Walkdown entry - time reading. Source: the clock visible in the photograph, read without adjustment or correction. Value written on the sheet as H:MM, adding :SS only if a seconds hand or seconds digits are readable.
5:32
